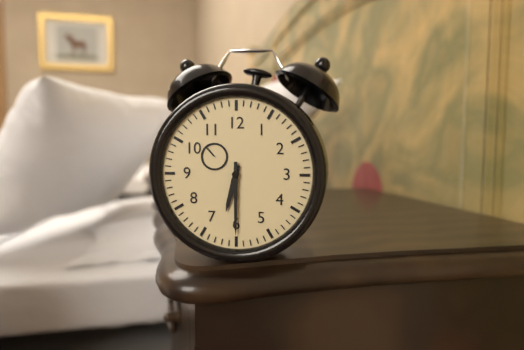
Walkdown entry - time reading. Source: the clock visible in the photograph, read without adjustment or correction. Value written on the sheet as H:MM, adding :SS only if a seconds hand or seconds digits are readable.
6:30
